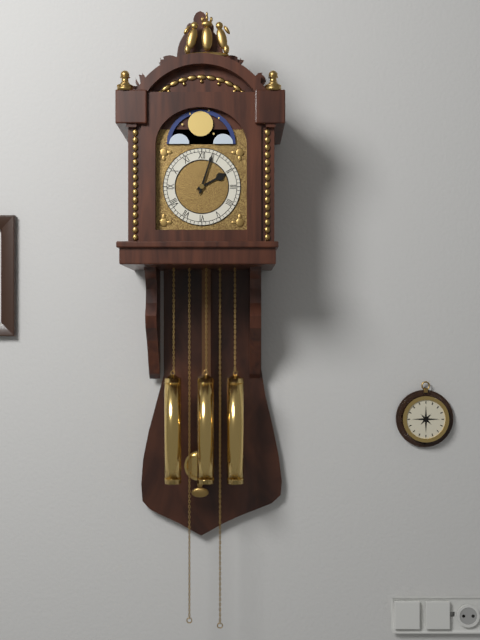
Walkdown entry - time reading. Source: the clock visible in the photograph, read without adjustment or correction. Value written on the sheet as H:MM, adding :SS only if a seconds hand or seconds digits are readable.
2:03
